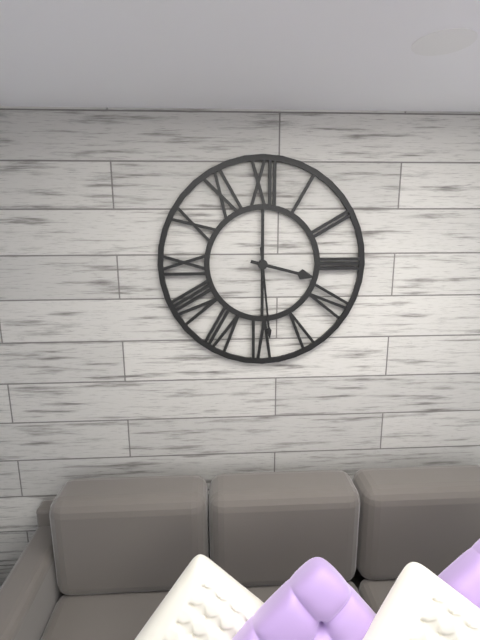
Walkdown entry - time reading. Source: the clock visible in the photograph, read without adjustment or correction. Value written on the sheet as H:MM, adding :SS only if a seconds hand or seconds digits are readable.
3:29
